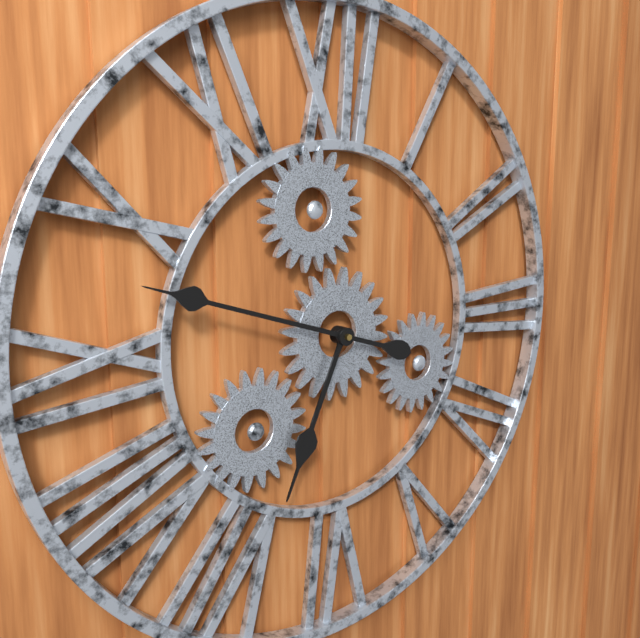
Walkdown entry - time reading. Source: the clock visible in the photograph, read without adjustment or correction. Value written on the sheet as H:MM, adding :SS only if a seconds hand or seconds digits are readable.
6:48
